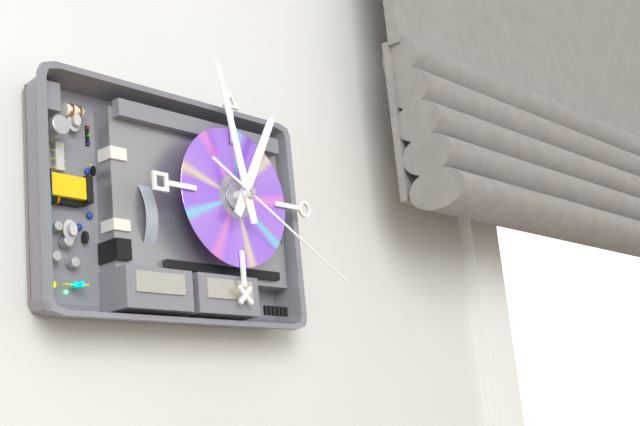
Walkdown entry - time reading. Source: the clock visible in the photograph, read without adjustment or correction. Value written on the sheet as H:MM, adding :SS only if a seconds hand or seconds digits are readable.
12:58:20
